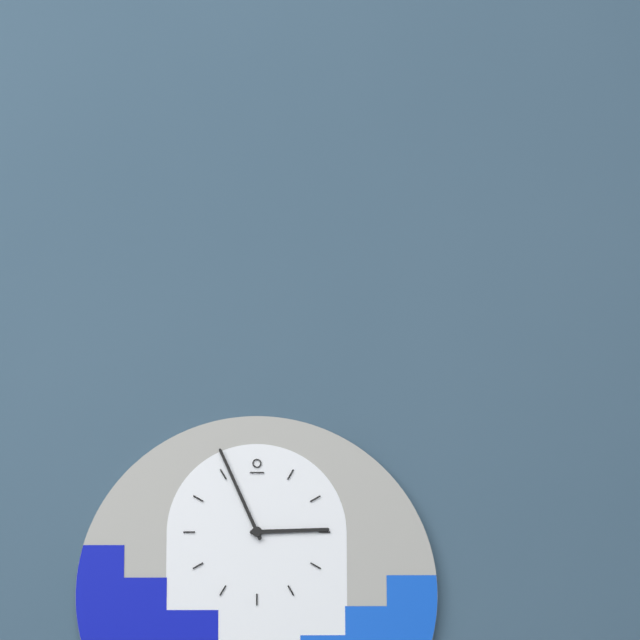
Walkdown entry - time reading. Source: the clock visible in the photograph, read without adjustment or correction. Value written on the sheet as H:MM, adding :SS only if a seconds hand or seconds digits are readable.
2:56
